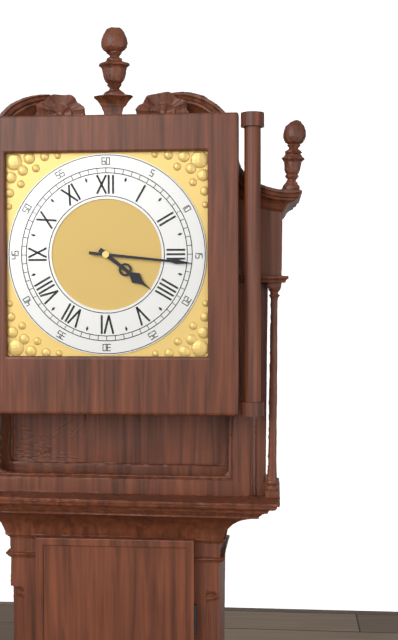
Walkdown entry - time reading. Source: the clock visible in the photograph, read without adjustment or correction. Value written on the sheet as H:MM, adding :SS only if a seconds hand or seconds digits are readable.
4:16
